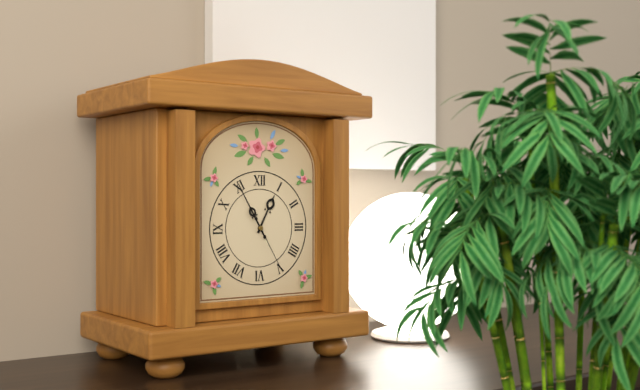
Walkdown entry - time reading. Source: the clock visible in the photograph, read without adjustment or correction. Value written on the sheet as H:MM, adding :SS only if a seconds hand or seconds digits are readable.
12:55:25
